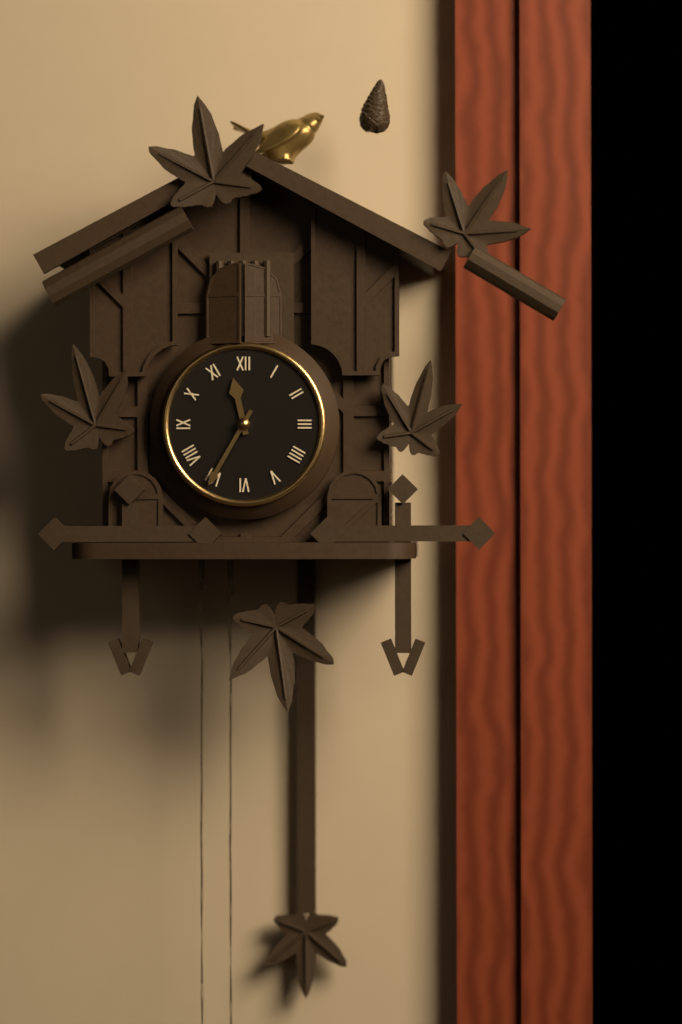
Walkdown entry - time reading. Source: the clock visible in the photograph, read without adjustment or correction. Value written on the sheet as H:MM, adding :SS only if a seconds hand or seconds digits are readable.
11:35
